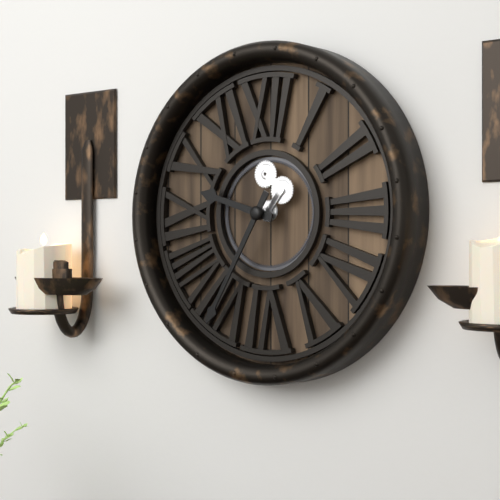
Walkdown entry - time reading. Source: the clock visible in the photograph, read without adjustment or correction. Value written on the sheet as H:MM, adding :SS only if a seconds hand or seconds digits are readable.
9:35
